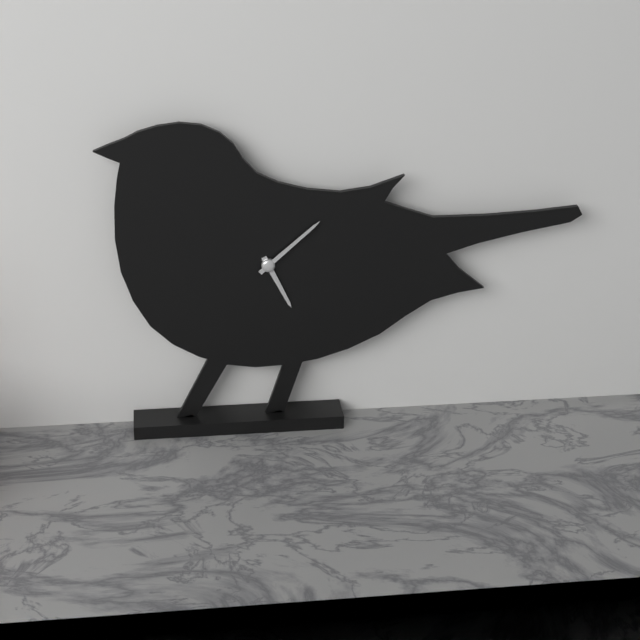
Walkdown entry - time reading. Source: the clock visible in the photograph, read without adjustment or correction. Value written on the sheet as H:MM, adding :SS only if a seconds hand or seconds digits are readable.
5:08
